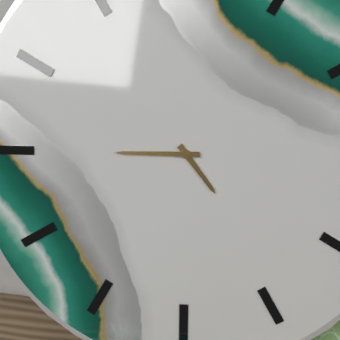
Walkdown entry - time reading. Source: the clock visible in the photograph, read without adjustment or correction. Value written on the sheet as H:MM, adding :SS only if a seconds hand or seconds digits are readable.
4:45
